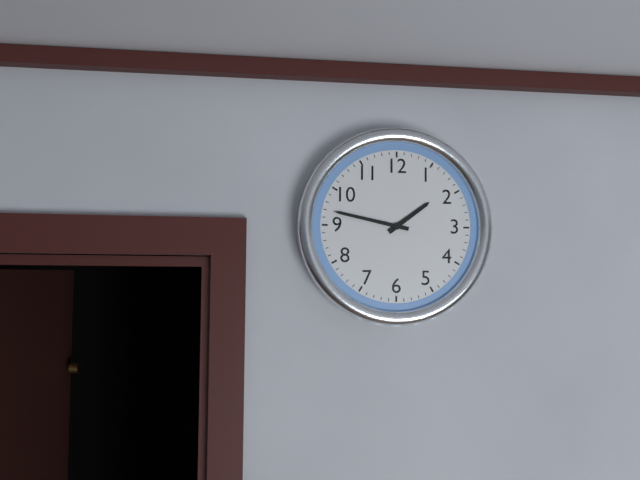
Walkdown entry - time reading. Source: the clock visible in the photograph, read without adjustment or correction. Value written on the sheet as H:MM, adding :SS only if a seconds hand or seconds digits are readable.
1:47
